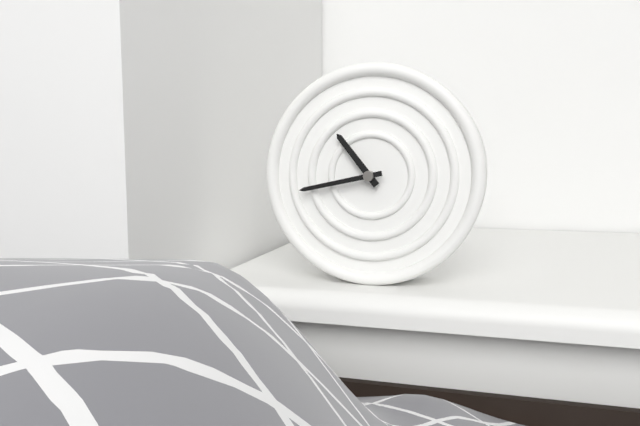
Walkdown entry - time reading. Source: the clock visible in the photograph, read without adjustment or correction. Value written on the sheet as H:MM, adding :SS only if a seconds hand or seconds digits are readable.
10:43
